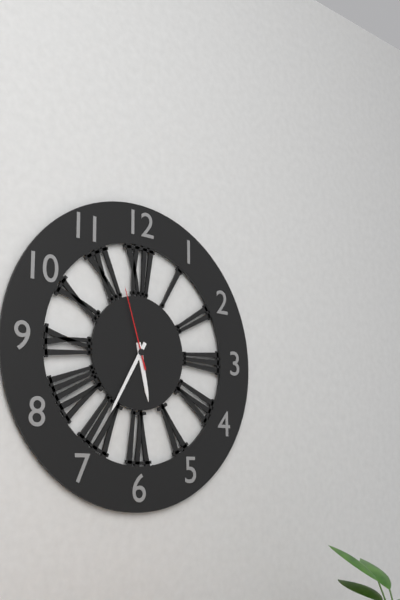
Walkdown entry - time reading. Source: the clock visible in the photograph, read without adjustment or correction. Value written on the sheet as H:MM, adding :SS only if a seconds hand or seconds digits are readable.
5:35:57
